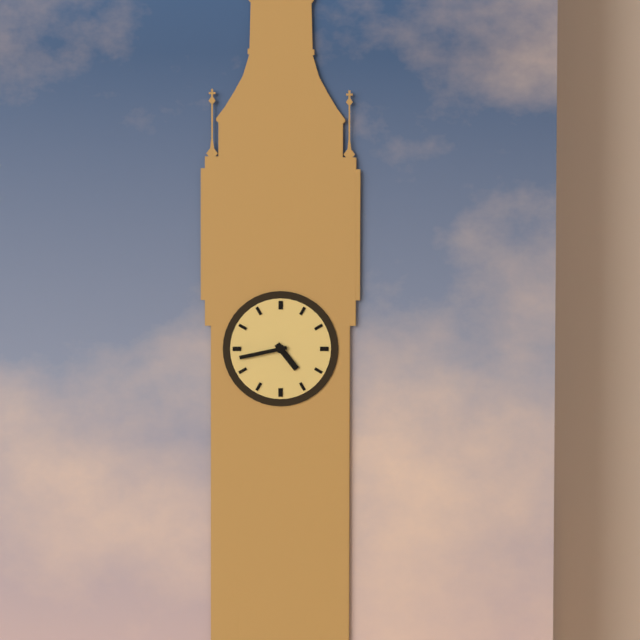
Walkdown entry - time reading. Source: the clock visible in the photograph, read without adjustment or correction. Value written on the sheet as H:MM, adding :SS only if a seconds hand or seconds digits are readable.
4:43
